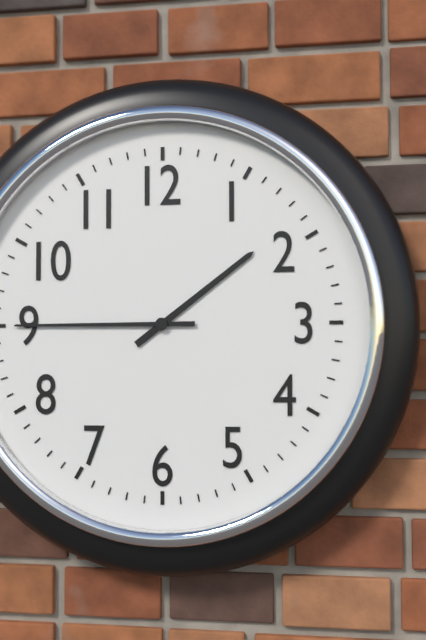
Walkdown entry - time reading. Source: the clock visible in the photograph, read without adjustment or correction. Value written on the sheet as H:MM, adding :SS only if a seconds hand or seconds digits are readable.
1:45
